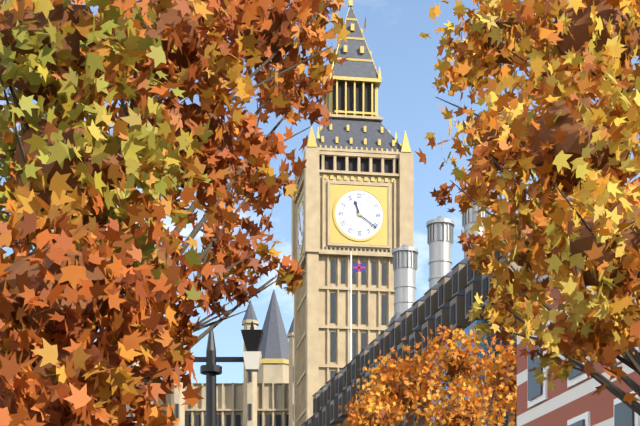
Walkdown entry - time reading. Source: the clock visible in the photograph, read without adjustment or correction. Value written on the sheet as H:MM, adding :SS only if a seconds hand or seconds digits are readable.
11:21
